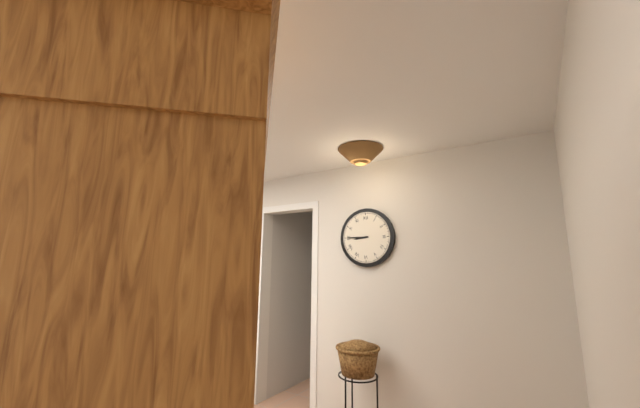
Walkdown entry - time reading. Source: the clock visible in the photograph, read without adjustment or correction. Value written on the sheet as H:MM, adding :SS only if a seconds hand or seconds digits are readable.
8:45
